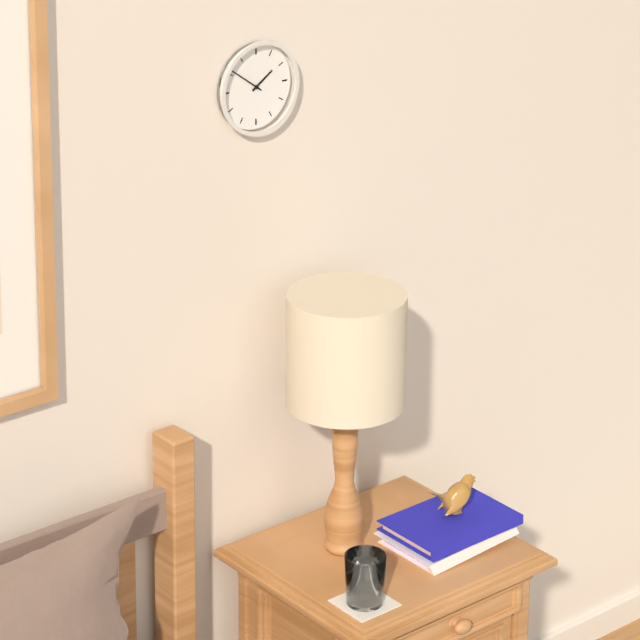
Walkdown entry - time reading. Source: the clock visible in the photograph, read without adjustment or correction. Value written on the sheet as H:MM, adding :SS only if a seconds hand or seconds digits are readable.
1:51
